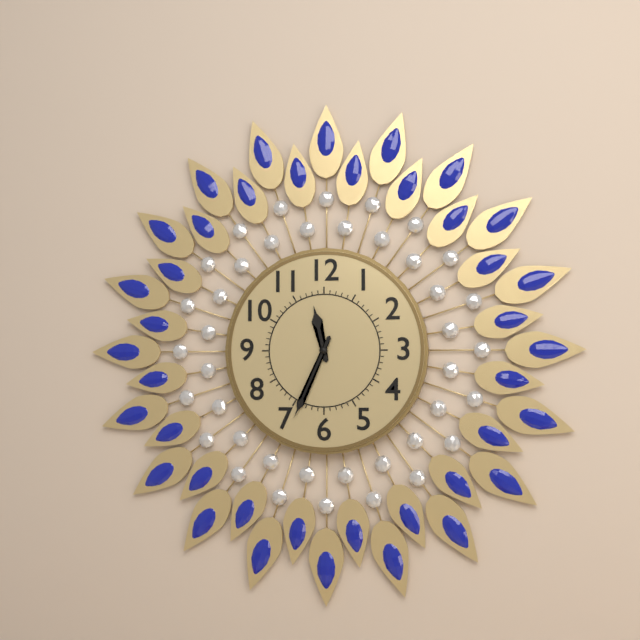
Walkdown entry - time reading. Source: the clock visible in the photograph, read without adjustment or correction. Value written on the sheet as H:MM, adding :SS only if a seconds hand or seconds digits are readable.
11:34
